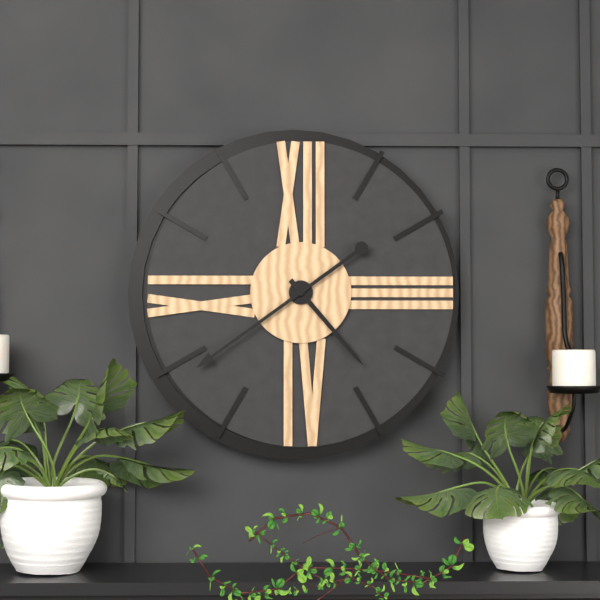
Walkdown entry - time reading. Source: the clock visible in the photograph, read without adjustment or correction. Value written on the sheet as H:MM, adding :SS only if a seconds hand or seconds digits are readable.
4:39
